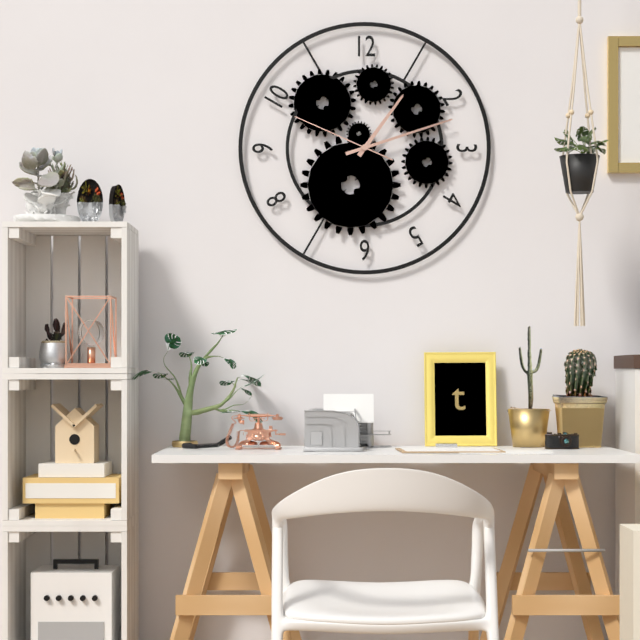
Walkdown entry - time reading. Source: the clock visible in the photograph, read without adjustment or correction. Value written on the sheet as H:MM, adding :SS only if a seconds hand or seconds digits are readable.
1:12:49
